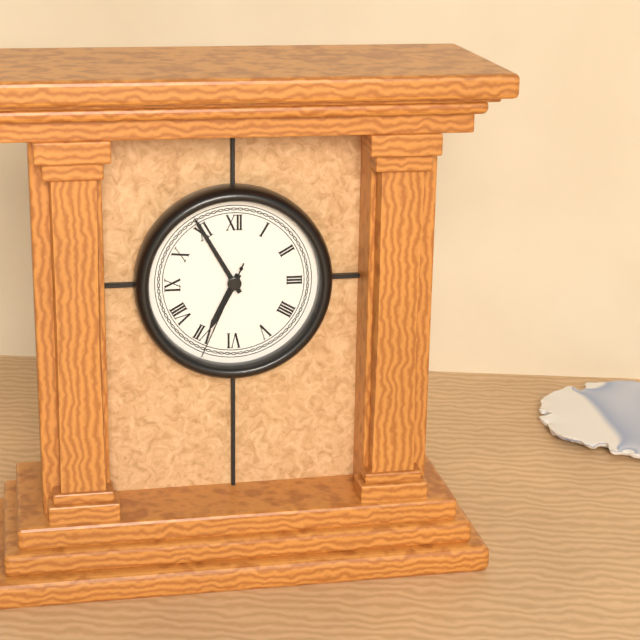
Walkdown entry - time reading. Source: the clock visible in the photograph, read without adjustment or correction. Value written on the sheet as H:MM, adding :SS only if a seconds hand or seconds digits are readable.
6:55:34
